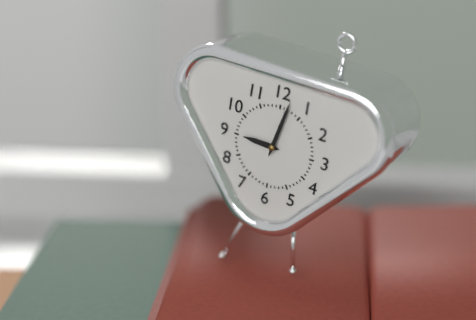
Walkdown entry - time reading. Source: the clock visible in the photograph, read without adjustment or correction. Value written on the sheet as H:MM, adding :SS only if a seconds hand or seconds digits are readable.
9:02
